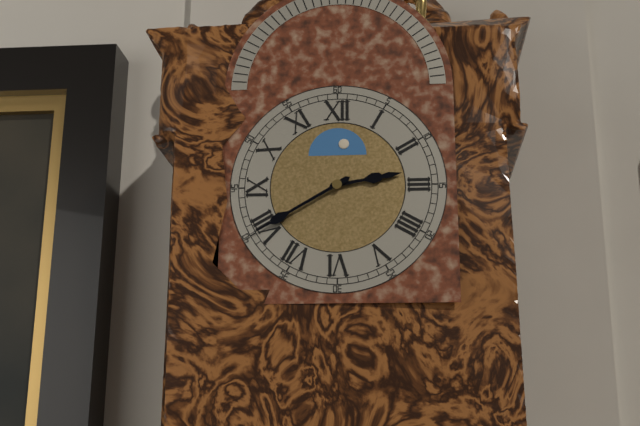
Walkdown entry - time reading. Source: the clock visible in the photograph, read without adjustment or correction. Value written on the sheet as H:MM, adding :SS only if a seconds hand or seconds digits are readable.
2:40
